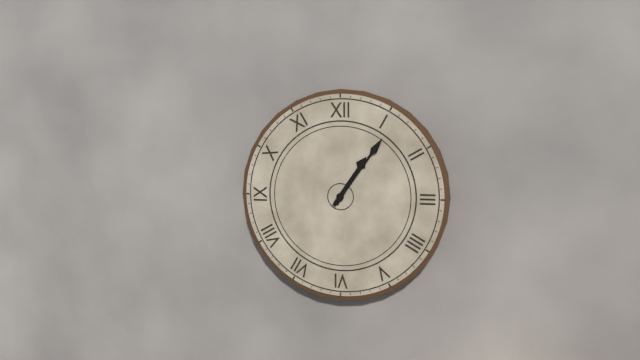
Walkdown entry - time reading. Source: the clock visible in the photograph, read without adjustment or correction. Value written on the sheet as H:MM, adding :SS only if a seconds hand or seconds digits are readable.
1:06
